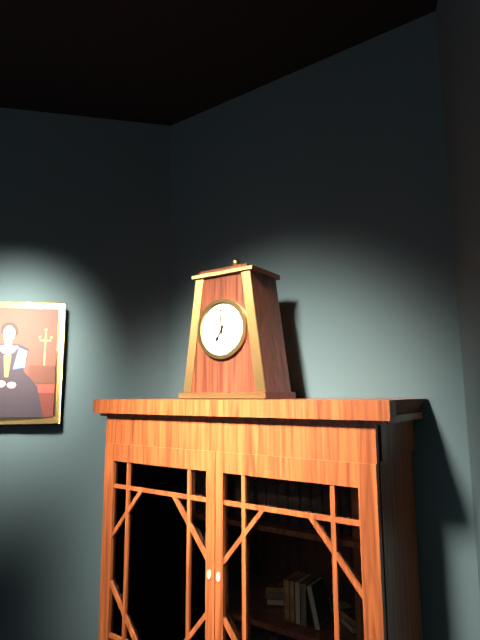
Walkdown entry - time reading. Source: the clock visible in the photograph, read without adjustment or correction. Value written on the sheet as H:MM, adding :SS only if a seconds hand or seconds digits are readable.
6:59
